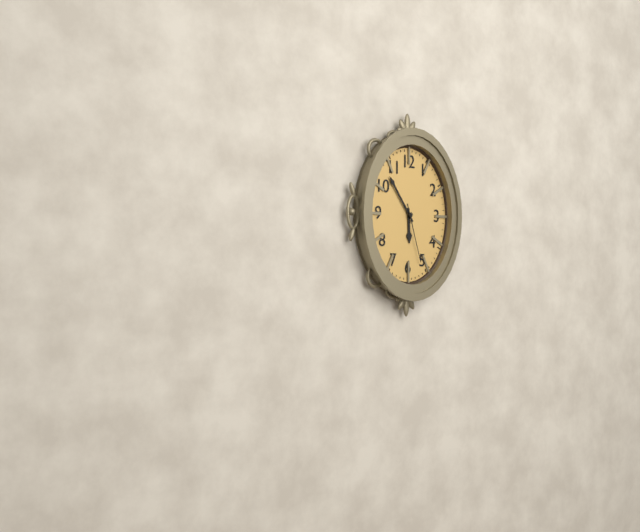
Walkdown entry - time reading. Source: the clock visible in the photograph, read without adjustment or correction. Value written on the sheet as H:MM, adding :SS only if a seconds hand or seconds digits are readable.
5:54:27
